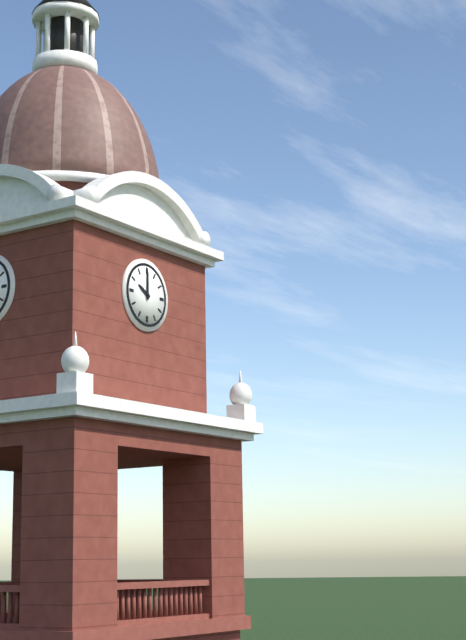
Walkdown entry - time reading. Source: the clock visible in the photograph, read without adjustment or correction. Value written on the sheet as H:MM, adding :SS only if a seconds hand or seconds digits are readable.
10:00
